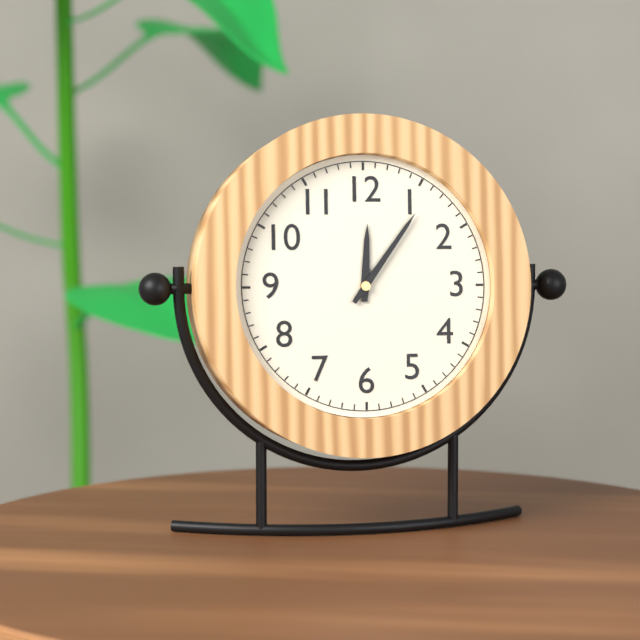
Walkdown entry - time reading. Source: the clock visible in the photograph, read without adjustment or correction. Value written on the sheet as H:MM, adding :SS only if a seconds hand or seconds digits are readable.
12:06
